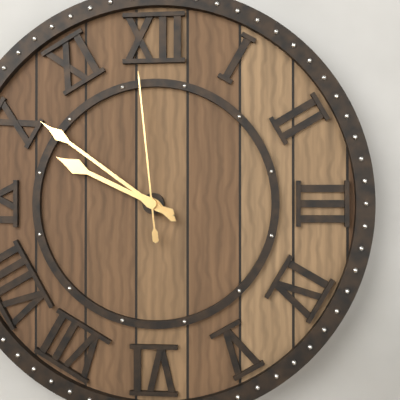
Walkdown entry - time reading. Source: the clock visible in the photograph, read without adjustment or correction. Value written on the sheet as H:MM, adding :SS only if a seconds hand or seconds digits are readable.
9:51:59
